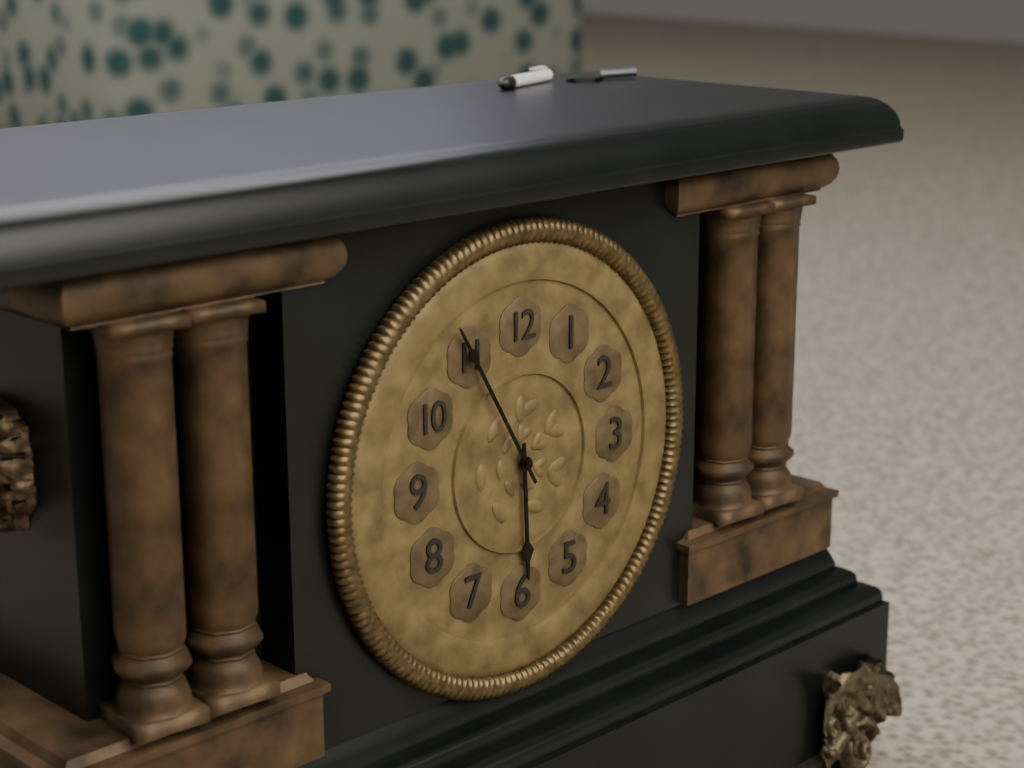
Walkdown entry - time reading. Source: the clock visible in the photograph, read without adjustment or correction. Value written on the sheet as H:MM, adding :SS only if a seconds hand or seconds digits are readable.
5:55
